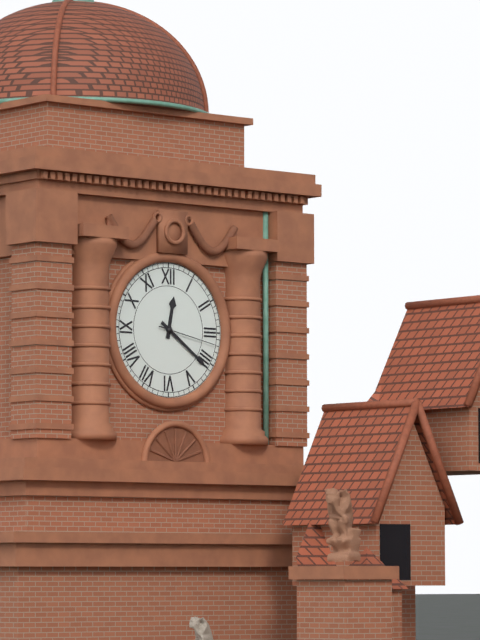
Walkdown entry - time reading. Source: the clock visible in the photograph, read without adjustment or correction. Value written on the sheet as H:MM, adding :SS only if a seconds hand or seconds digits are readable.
12:21:17
